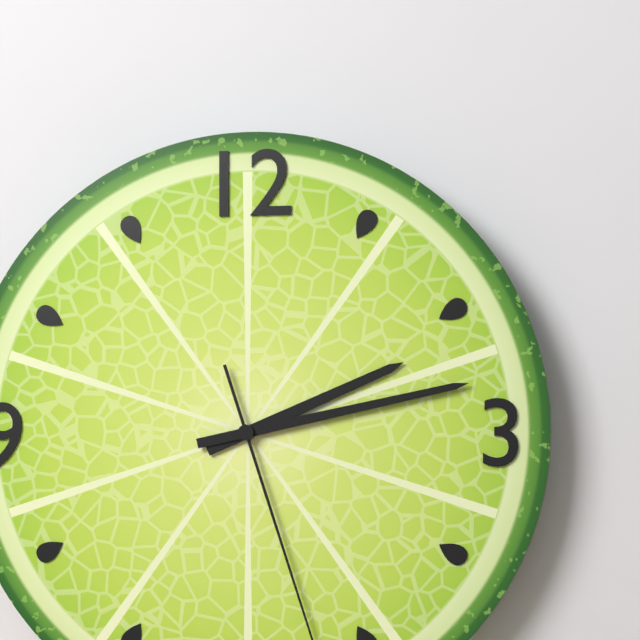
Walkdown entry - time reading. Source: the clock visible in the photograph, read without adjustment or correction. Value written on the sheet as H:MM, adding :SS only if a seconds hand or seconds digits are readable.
2:13
